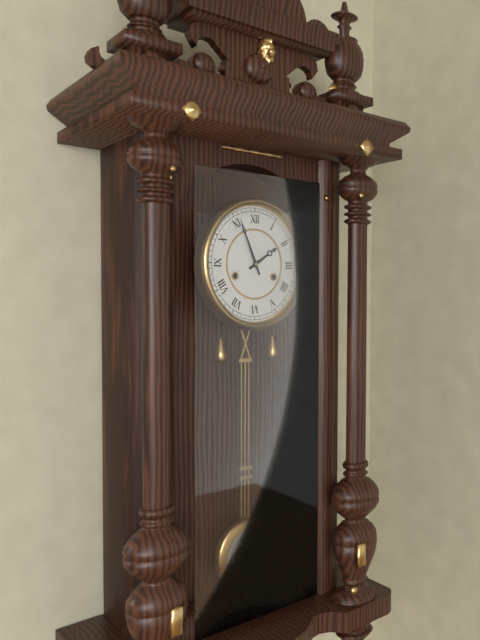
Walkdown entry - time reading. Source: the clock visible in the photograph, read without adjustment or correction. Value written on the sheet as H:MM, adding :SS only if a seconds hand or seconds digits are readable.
1:56
